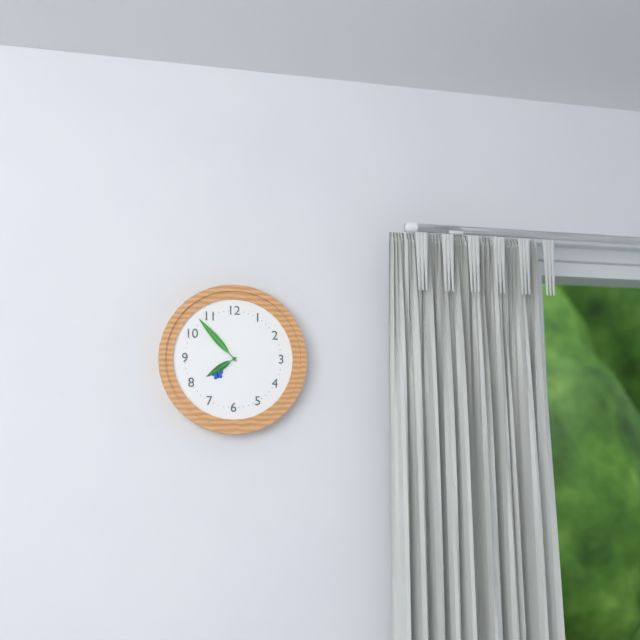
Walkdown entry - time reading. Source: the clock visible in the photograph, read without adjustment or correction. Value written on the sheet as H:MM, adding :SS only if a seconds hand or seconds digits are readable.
7:53
